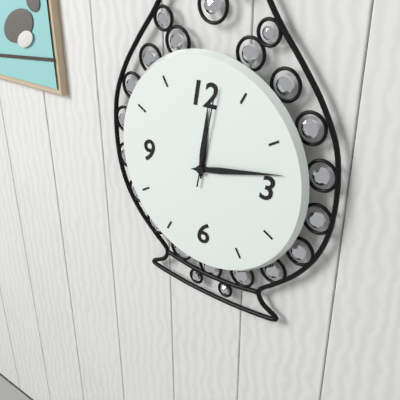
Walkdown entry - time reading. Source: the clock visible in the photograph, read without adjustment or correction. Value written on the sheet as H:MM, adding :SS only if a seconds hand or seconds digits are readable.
12:13:02
